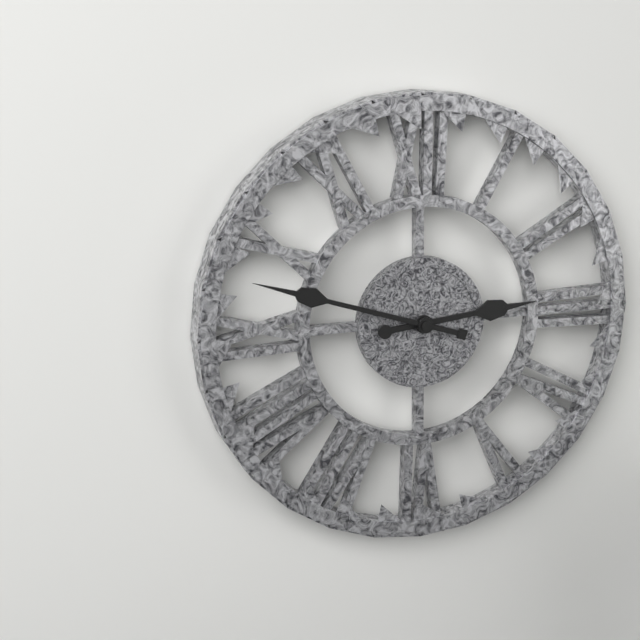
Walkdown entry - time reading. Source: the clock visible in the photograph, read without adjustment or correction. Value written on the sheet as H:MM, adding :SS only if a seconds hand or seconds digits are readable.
2:48
